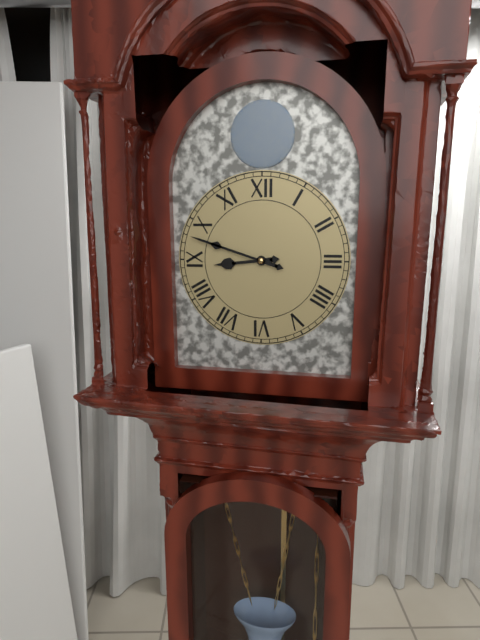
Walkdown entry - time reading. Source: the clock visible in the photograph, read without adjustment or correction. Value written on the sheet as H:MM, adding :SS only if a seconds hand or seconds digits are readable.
8:48
